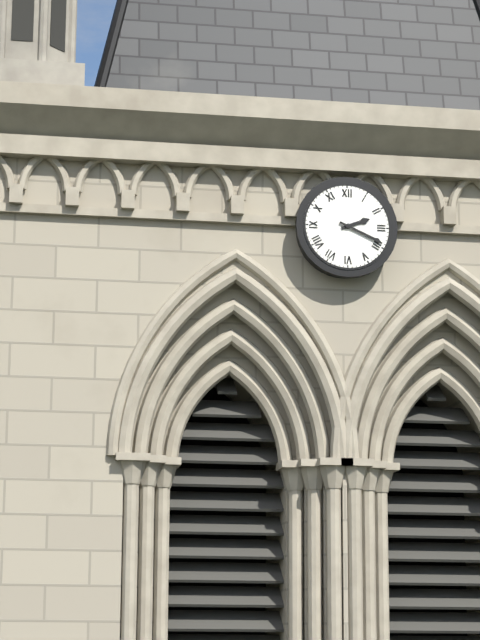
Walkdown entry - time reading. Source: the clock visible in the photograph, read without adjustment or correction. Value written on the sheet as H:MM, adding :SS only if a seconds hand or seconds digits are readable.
2:19
